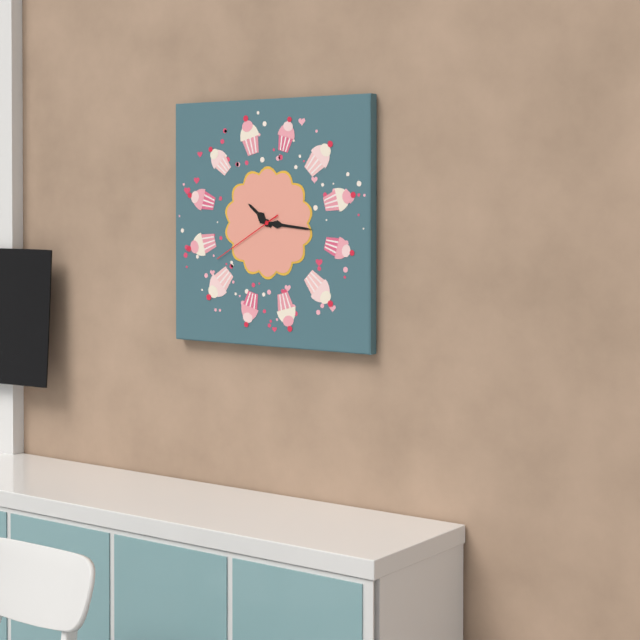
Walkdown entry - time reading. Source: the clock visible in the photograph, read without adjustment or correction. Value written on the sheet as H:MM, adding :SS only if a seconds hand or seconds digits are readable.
10:16:40
